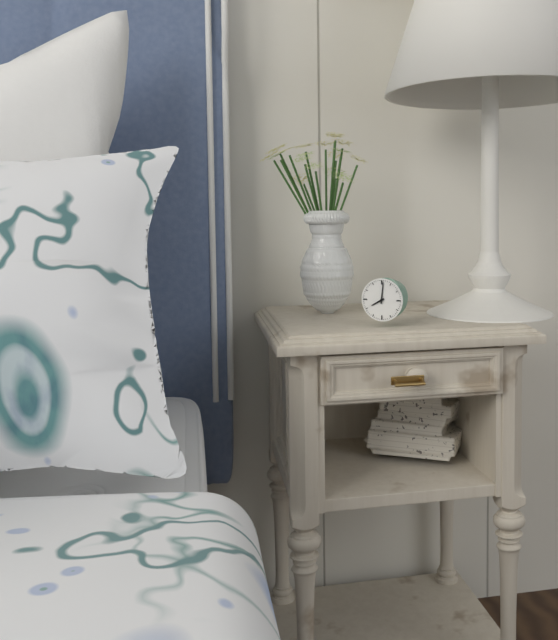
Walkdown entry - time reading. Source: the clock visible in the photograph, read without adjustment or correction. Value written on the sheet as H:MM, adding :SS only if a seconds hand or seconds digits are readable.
8:01
